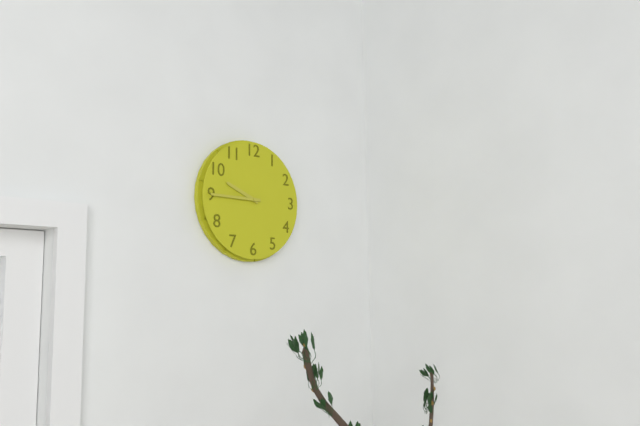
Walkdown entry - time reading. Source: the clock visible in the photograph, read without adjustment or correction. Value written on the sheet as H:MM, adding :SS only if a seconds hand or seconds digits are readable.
9:45
